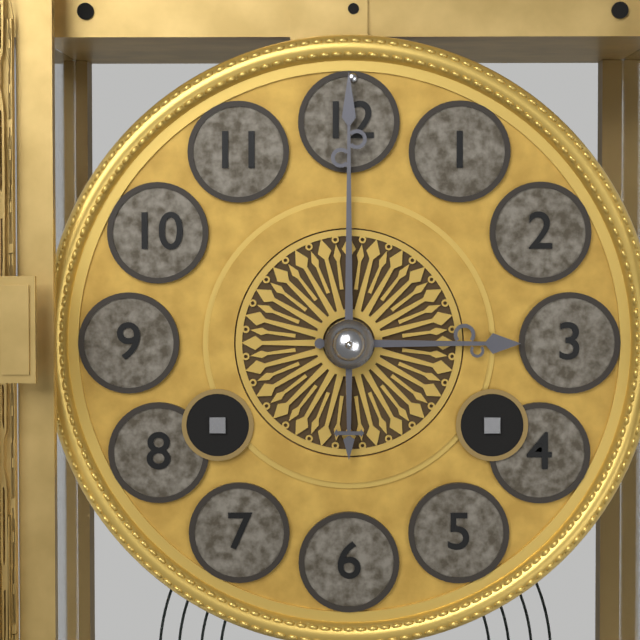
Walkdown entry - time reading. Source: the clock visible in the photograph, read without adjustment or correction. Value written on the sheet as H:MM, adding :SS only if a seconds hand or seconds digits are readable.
3:00
